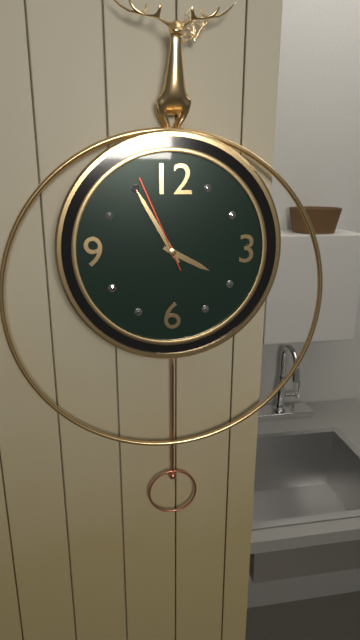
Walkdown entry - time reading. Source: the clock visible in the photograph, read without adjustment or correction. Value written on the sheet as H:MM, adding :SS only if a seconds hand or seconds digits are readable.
3:55:56
